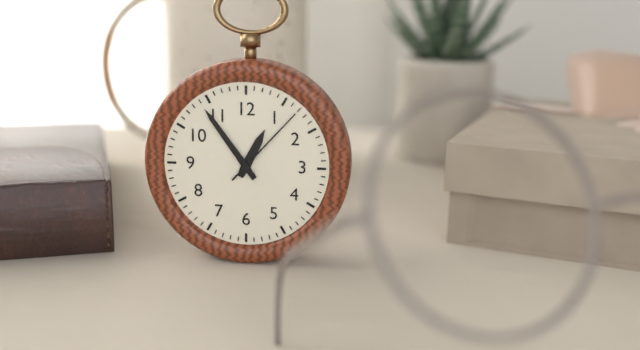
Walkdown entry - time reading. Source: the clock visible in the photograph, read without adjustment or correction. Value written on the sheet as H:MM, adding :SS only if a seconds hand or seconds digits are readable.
12:54:07
